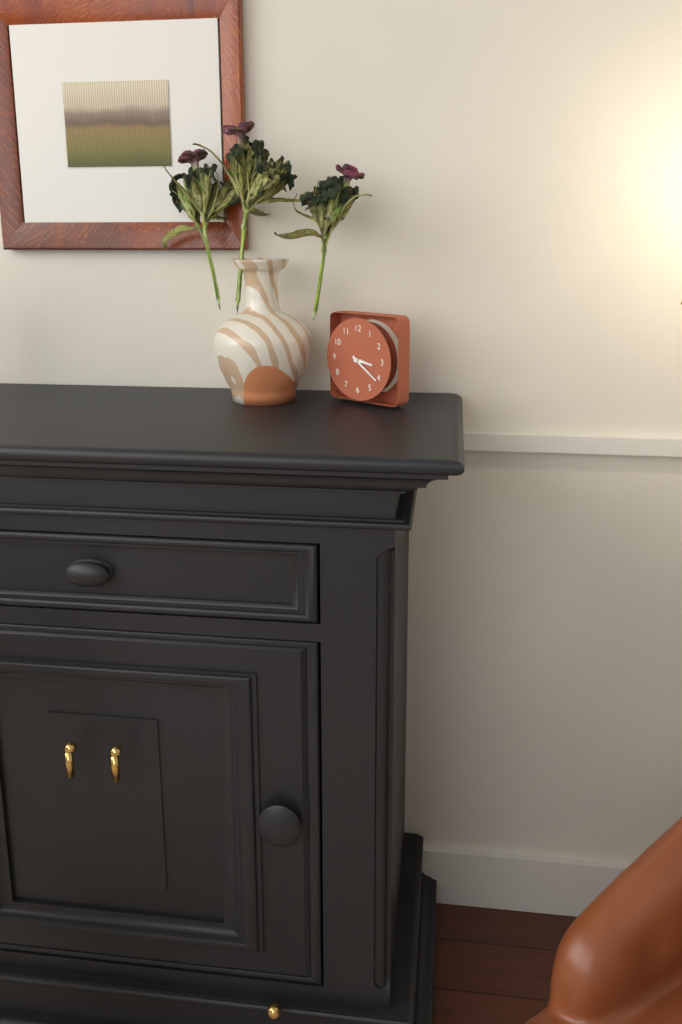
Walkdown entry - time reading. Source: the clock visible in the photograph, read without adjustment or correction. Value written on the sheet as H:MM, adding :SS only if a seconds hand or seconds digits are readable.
3:21
